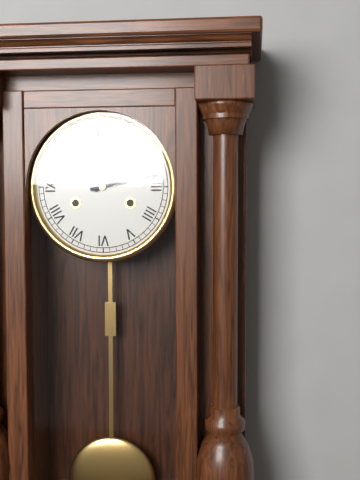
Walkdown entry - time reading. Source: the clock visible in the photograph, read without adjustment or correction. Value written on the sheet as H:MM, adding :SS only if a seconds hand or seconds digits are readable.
2:13
